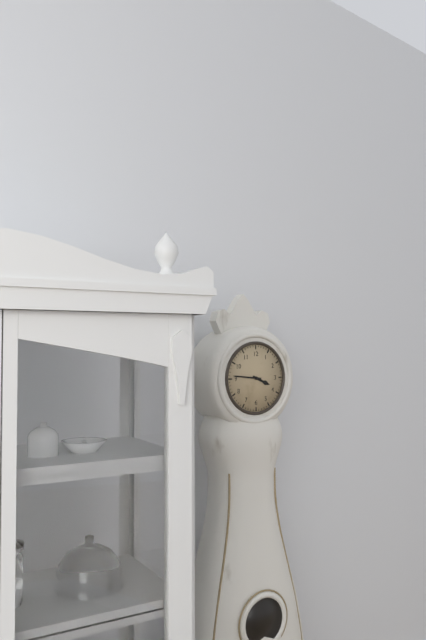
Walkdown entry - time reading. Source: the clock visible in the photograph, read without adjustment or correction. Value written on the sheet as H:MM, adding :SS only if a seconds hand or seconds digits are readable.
3:46
